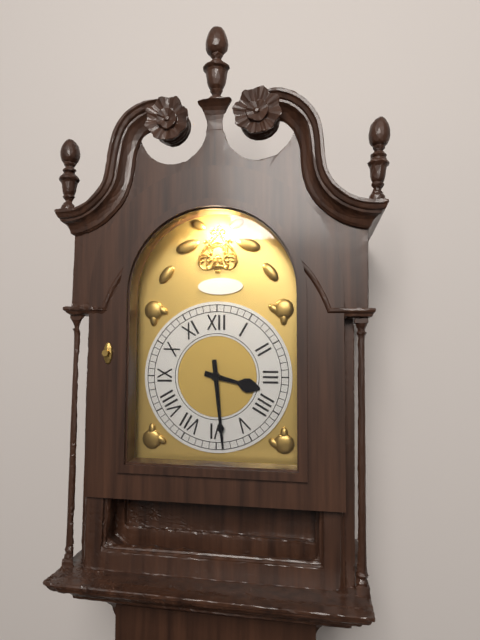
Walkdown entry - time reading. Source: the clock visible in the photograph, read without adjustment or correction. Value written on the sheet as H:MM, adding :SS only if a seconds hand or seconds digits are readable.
3:29
